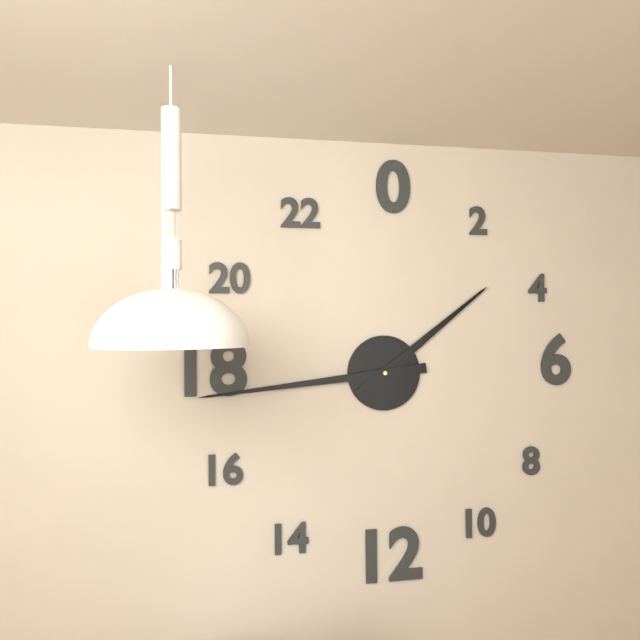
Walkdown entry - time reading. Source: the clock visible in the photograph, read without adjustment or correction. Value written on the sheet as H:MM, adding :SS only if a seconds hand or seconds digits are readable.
1:44
